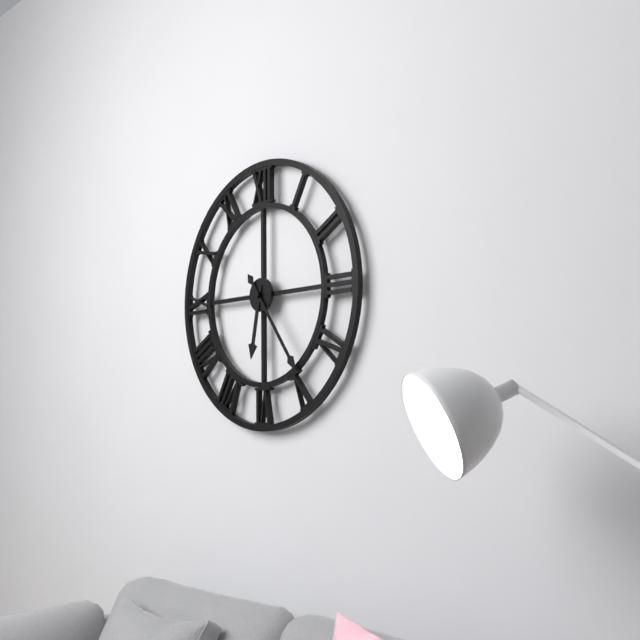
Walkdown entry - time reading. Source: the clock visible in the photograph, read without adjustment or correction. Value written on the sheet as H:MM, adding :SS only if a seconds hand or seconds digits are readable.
6:24
